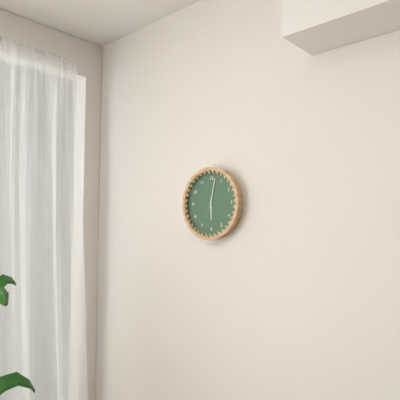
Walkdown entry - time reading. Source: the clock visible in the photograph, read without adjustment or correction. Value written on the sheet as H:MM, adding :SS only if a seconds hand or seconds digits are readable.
6:02
